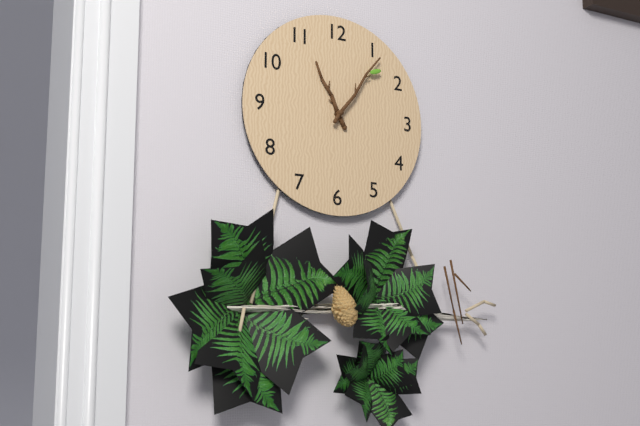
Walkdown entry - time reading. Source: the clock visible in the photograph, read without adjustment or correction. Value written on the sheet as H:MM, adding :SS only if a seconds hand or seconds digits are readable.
11:06
